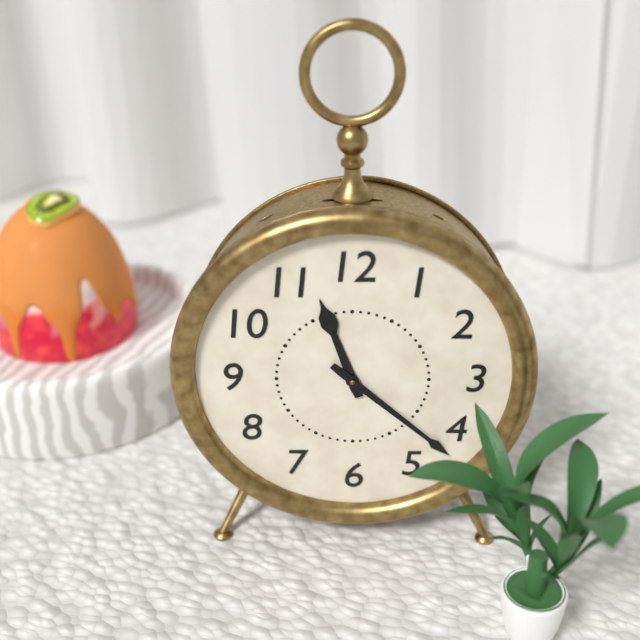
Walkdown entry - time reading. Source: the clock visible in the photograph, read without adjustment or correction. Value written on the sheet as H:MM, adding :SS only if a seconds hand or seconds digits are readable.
11:22
